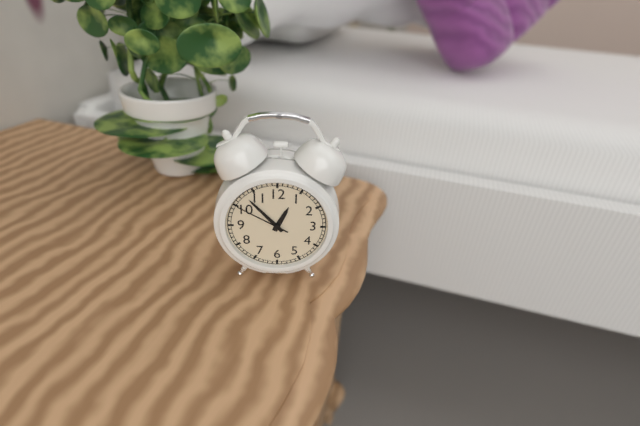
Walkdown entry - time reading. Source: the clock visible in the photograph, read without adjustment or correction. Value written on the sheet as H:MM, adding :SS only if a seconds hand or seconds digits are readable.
12:53:50
